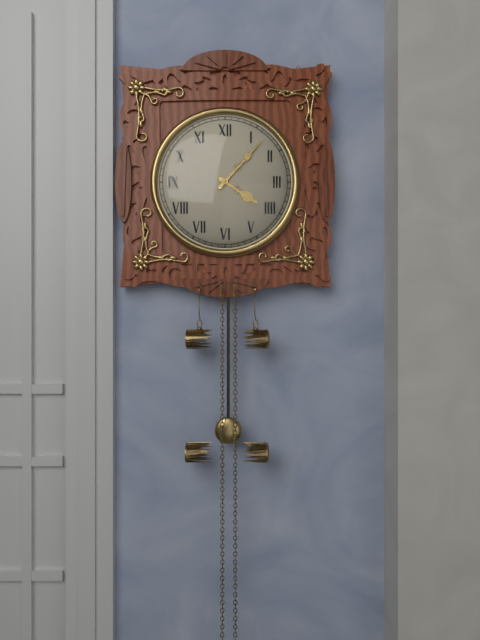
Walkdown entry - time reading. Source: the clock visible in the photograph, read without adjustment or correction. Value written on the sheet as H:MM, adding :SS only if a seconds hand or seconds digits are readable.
4:07
